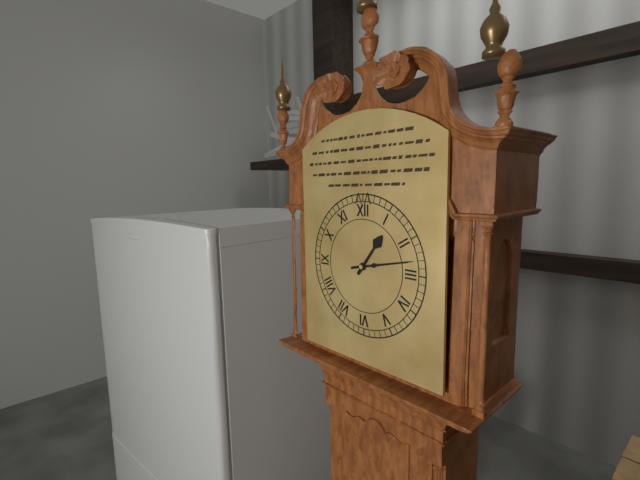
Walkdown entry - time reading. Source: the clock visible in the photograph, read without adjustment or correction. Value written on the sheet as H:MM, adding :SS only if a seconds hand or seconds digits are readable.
1:13
